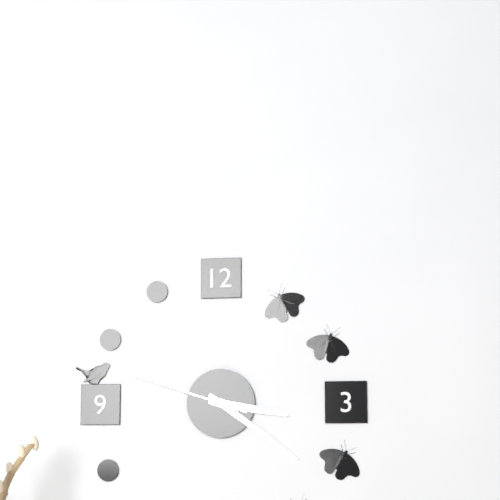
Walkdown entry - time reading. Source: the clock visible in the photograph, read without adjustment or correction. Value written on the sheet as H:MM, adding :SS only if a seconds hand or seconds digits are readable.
3:21:48
